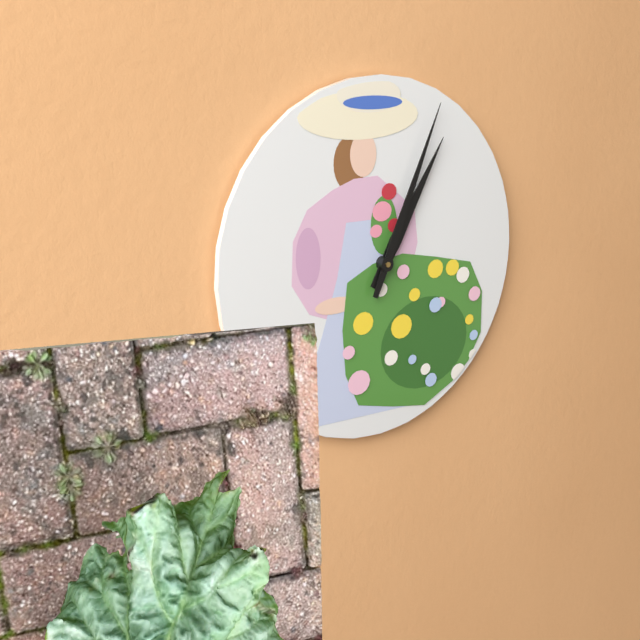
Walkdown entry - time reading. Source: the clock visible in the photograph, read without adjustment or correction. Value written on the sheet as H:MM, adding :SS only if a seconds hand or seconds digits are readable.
1:04
